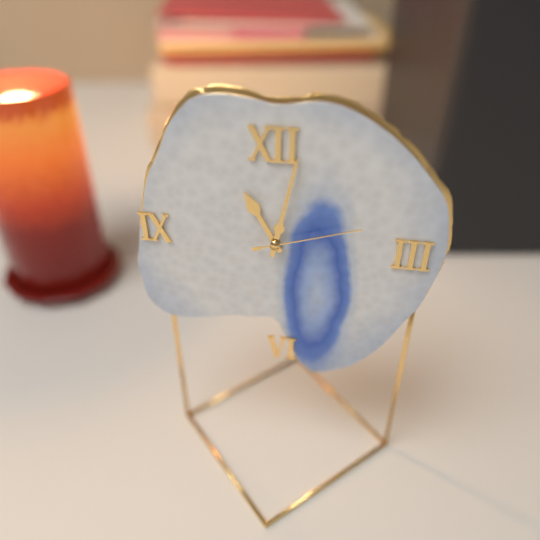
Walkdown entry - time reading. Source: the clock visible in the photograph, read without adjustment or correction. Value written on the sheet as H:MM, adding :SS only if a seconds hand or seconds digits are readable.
11:02:12
